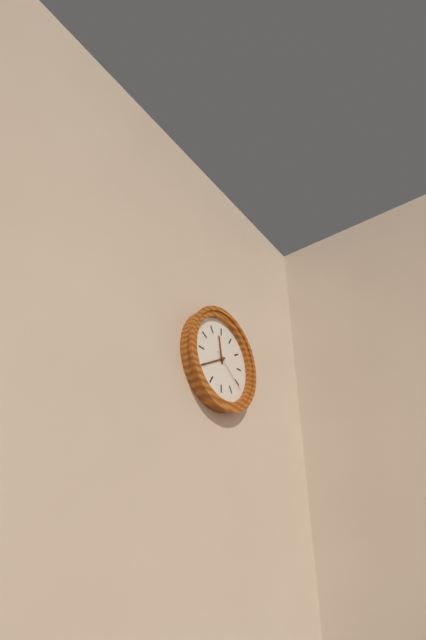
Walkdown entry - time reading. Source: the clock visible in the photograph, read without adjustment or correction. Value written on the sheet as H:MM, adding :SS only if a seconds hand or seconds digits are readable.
11:40
